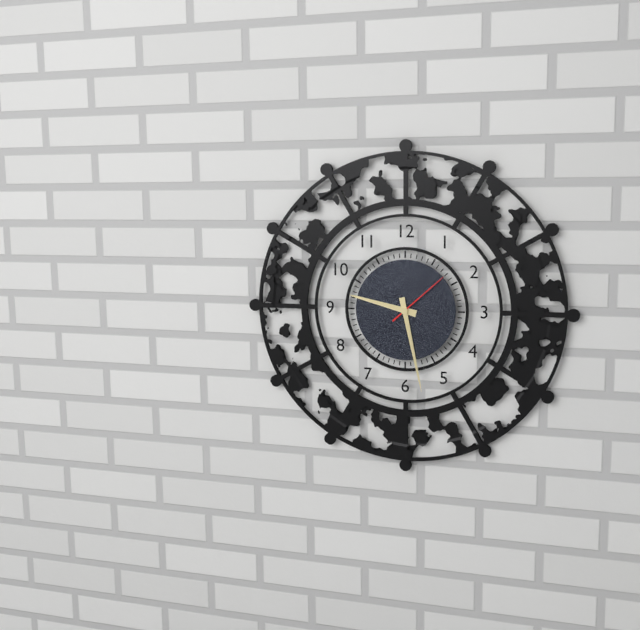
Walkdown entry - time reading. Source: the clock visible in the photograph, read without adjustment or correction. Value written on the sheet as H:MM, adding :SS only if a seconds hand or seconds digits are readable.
9:28:08
